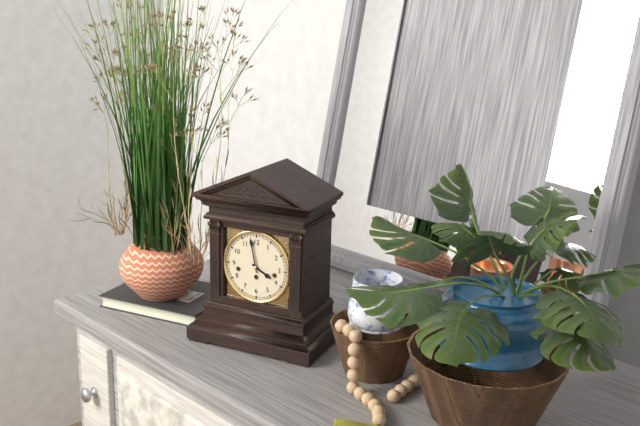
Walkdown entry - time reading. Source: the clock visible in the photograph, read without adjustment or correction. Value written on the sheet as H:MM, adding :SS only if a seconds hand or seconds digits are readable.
3:58
